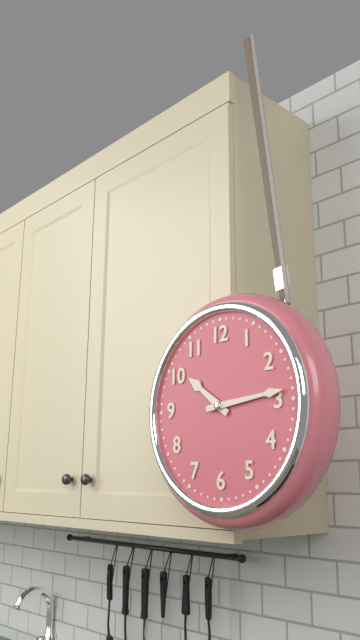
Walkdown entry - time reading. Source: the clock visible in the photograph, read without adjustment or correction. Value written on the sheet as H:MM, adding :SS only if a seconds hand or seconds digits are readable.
10:14
